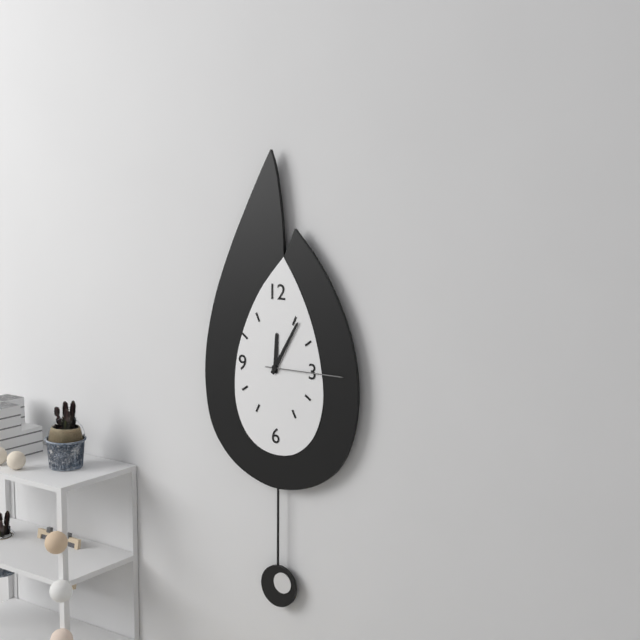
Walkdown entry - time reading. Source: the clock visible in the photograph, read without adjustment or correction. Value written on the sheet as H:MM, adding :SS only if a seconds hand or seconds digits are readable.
12:05:15
